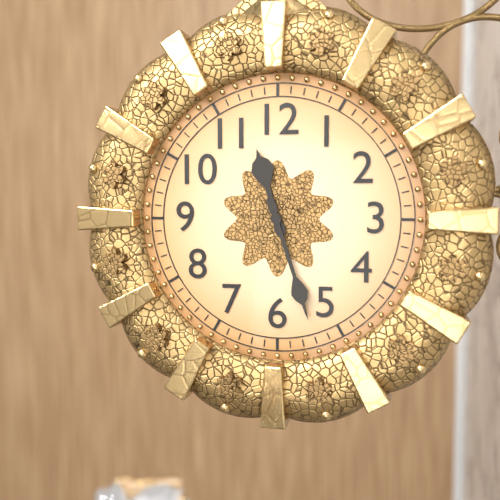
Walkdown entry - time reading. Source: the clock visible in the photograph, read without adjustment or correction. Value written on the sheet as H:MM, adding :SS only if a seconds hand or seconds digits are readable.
11:27
